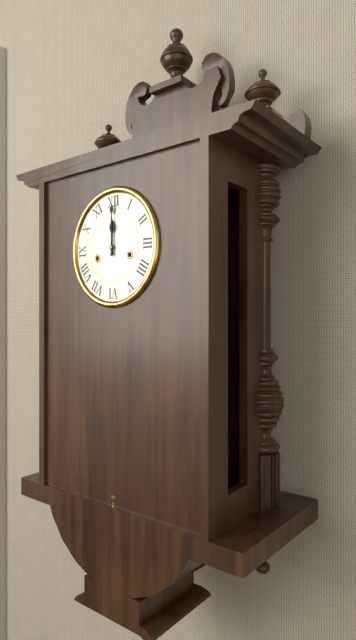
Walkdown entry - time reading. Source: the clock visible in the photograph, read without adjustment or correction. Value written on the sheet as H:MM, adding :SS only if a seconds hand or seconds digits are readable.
12:00
